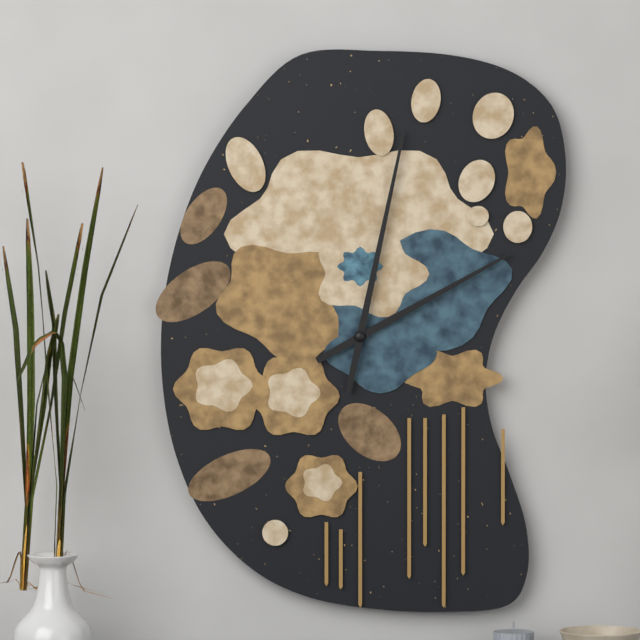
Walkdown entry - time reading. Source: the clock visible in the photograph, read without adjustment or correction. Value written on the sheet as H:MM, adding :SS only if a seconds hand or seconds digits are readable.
2:02
